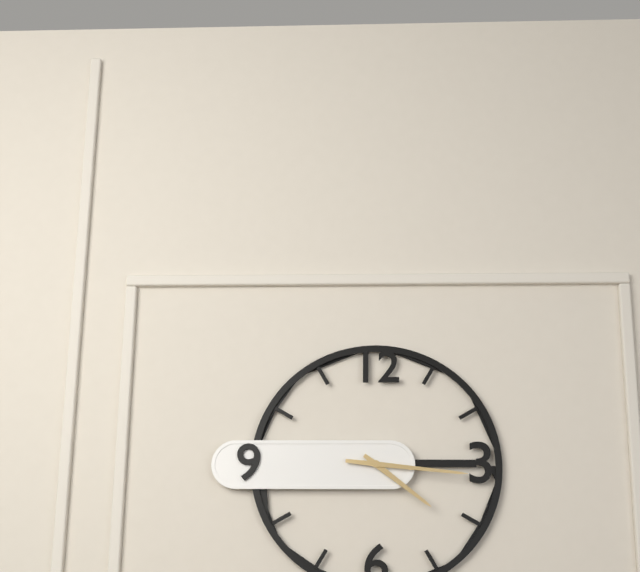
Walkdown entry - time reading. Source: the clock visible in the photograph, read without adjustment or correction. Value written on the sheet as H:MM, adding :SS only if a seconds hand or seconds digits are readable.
4:16
